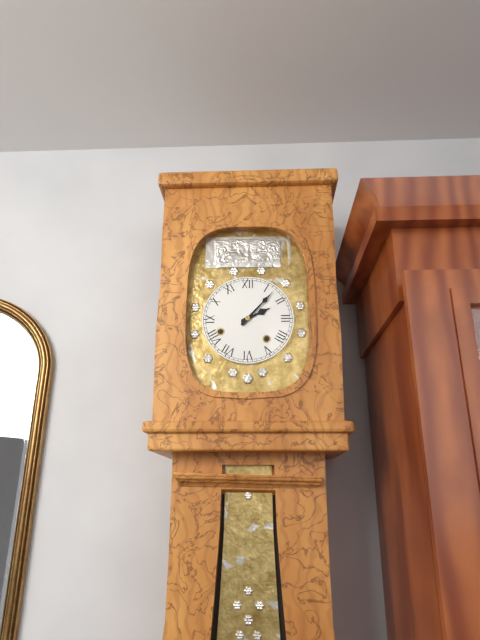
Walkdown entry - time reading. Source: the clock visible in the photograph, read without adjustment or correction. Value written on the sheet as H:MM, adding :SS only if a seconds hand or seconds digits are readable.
2:07
